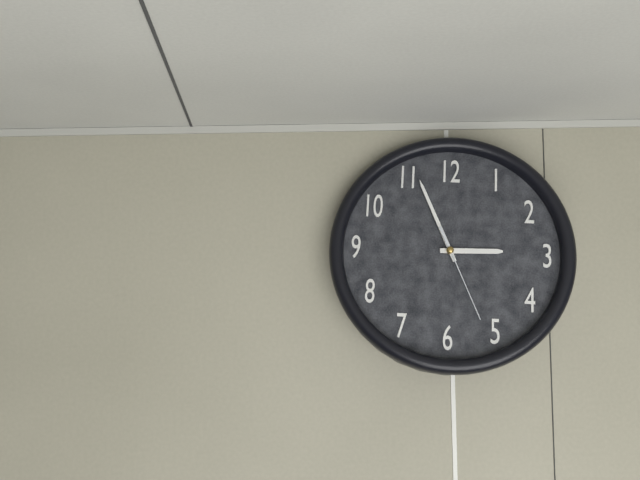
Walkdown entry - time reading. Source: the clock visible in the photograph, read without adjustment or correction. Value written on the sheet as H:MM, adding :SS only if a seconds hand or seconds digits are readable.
2:56:26
